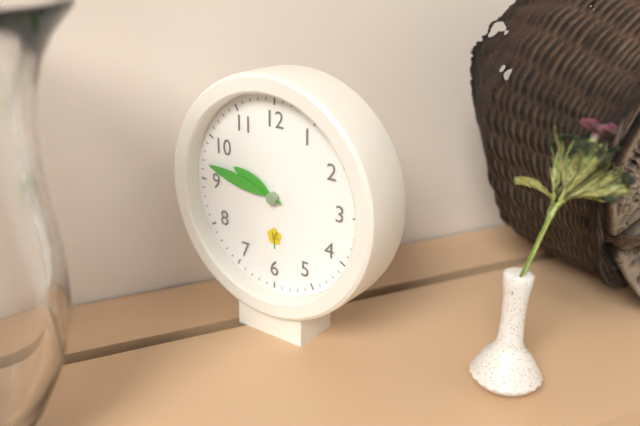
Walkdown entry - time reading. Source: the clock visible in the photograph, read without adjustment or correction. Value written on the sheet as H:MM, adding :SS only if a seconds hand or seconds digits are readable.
9:47
